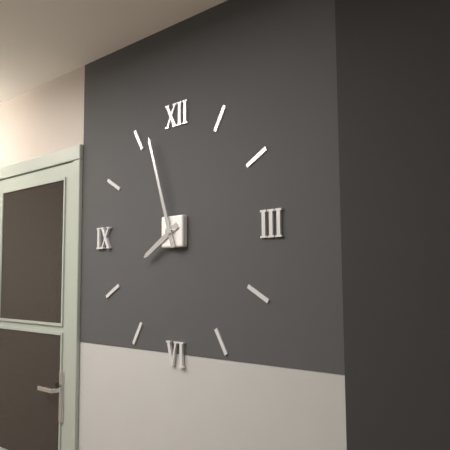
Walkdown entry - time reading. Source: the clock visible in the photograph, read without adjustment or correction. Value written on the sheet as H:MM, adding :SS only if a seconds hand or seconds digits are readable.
7:57
